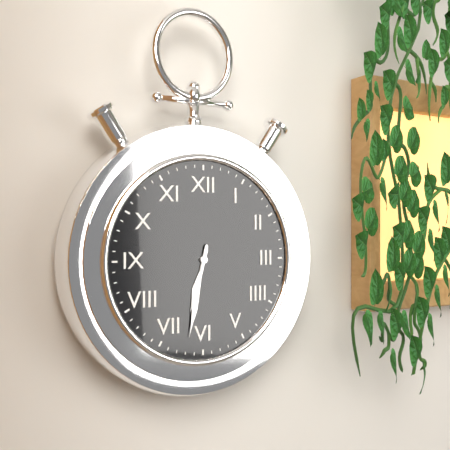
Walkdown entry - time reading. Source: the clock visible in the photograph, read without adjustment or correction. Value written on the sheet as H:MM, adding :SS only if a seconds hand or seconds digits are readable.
6:32
